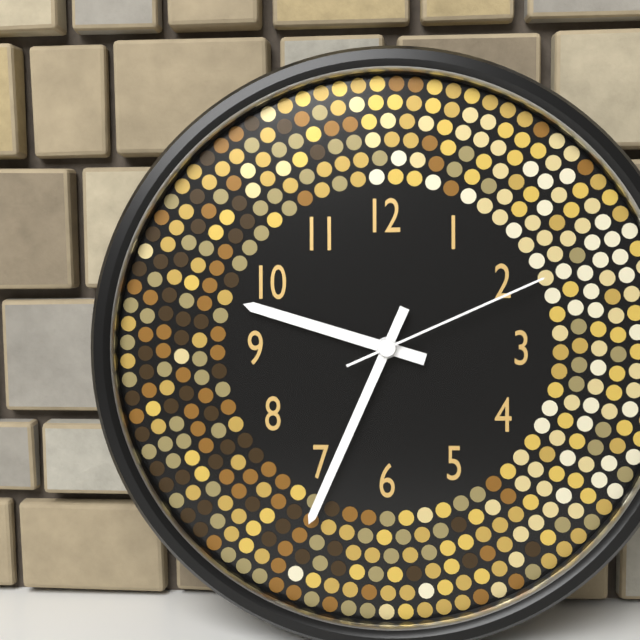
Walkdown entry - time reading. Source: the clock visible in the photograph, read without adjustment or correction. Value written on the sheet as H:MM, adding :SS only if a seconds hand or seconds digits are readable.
9:34:11
